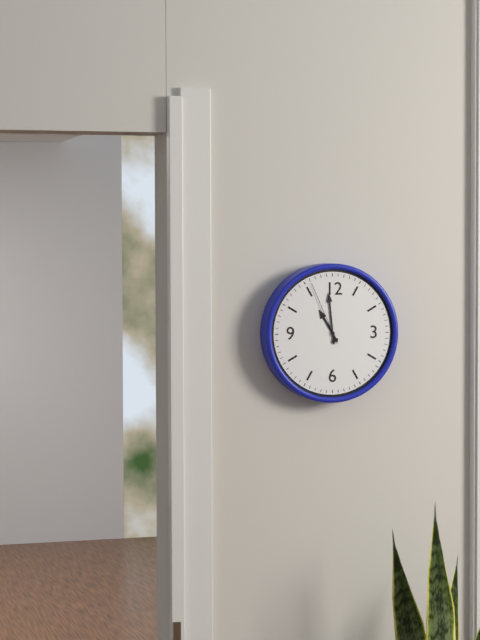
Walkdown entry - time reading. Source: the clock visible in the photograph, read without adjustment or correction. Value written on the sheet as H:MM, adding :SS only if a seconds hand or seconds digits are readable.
10:59:56
